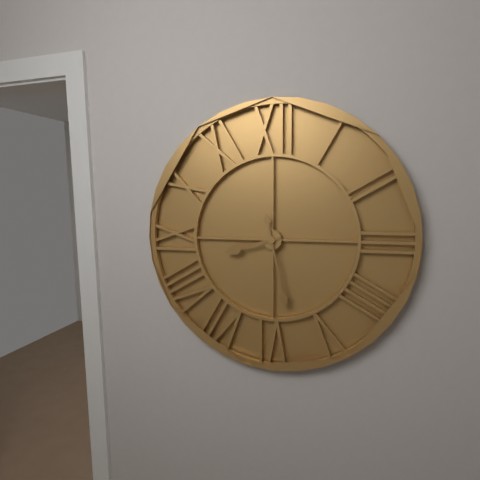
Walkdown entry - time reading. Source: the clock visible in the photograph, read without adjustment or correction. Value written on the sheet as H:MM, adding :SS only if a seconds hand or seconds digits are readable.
8:28
